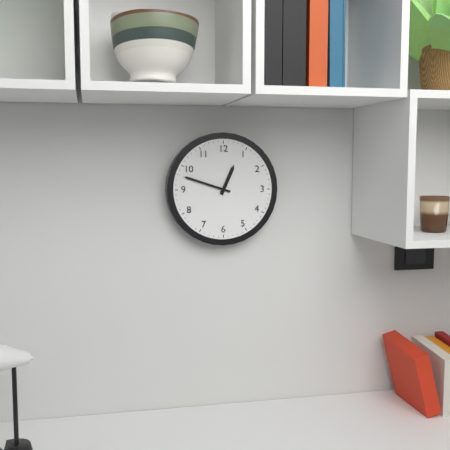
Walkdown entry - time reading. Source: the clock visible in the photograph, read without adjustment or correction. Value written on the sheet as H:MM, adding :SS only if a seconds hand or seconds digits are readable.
12:48
